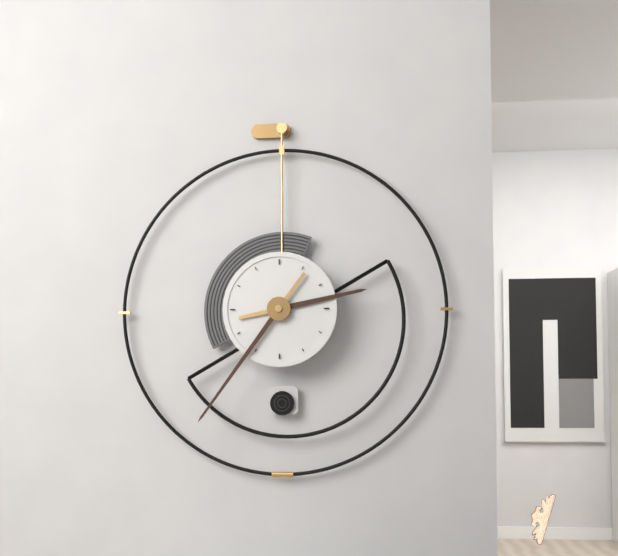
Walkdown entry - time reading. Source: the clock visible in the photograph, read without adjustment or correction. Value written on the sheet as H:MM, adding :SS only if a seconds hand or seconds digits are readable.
2:36
